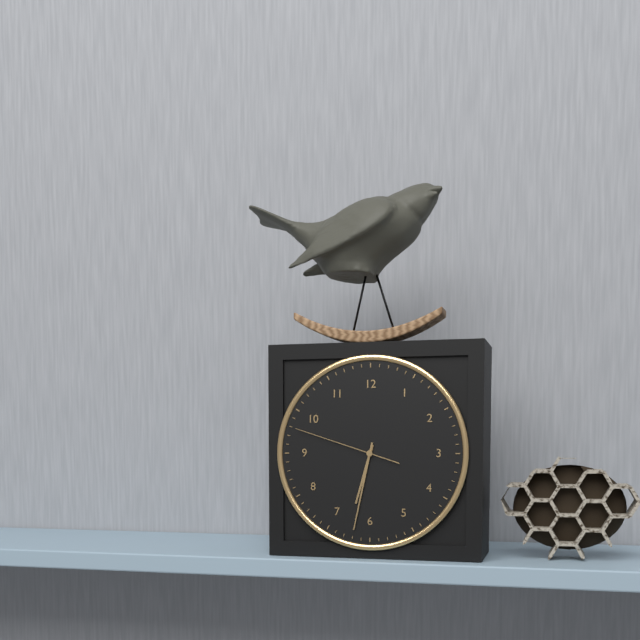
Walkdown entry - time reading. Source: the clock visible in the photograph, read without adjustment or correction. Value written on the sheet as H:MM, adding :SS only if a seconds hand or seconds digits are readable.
6:32:48
